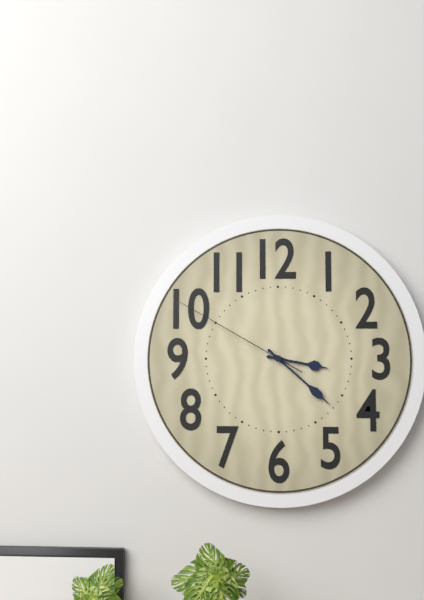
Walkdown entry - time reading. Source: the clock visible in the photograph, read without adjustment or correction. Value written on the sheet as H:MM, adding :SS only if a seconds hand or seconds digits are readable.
3:22:50
